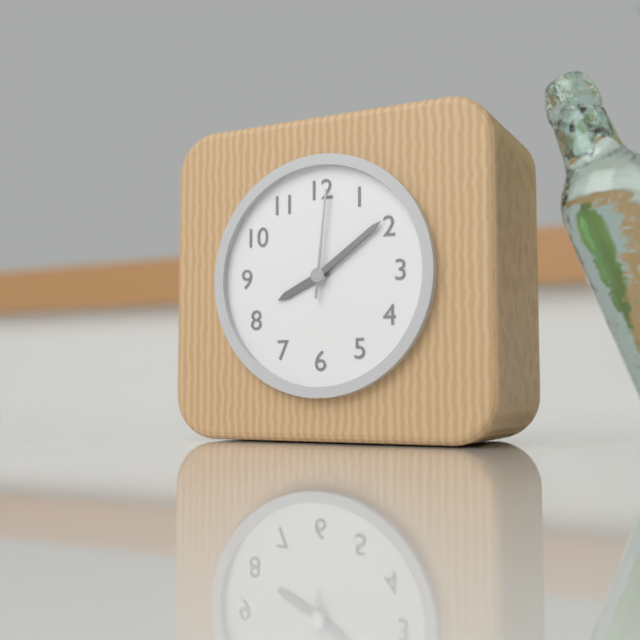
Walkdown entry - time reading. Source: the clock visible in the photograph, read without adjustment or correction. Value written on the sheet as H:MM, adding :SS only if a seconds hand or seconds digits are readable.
8:09:01
